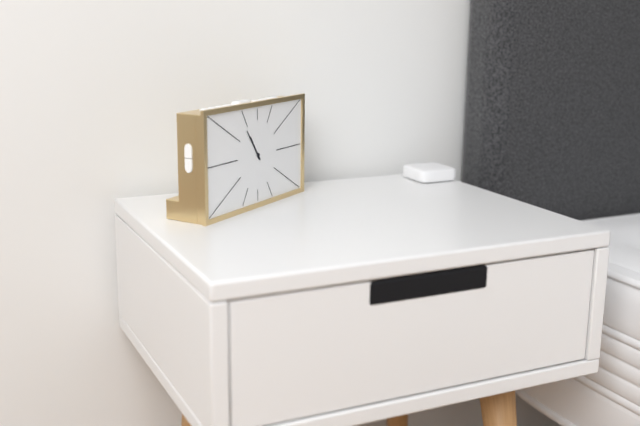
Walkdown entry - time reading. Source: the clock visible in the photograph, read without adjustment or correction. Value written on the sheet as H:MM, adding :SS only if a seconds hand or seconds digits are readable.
10:54
